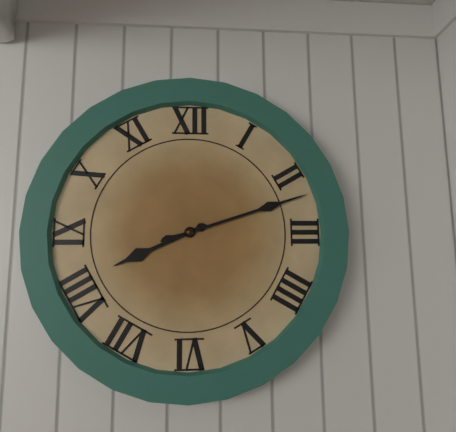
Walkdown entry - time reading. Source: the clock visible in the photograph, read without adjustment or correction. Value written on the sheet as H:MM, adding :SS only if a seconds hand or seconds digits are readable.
8:12
